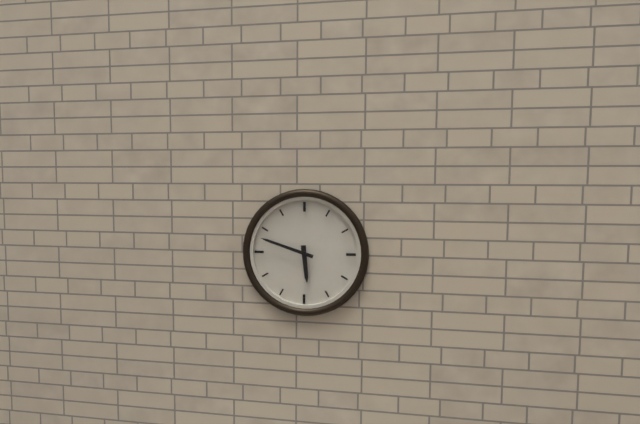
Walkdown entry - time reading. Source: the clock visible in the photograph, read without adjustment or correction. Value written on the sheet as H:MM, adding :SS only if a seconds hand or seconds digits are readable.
5:48
